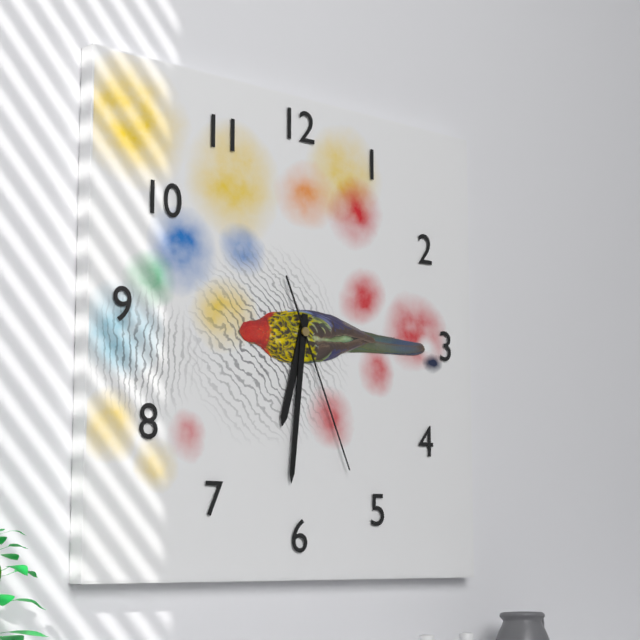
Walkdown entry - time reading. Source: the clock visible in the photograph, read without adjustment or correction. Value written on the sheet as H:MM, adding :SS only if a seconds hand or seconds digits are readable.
6:31:26
